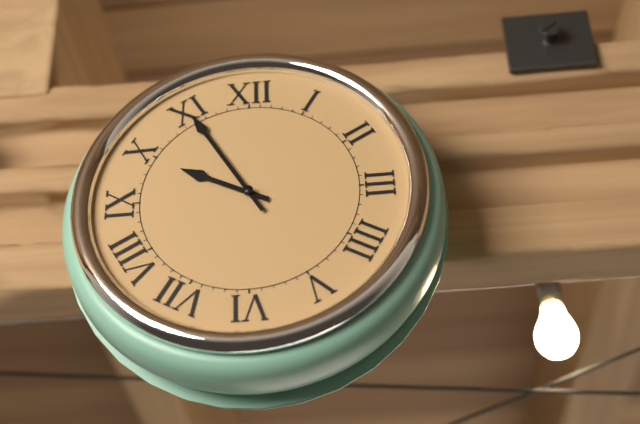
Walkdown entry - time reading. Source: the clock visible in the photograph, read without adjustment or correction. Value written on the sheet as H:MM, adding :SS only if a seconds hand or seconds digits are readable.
9:55
